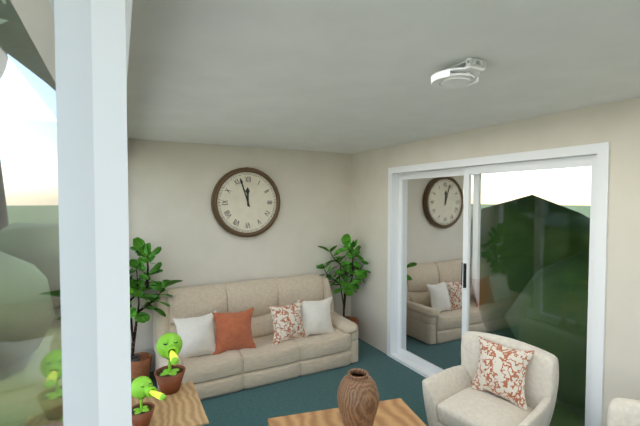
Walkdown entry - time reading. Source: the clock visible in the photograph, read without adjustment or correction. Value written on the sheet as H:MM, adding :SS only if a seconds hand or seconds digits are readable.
11:57
